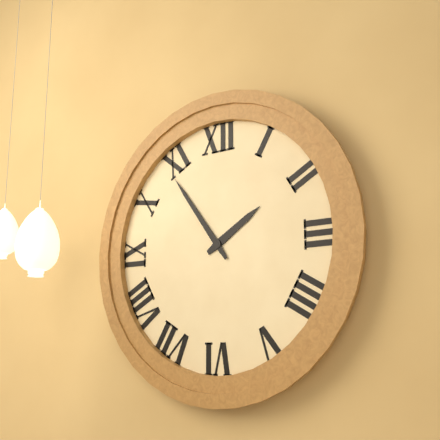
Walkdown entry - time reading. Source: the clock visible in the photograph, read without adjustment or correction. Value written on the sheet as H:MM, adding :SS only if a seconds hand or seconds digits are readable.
1:54
